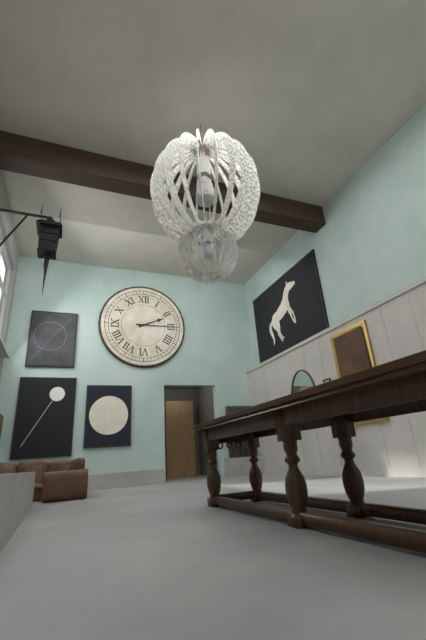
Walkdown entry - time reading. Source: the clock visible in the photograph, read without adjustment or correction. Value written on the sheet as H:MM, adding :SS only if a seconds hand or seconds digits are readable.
2:15
